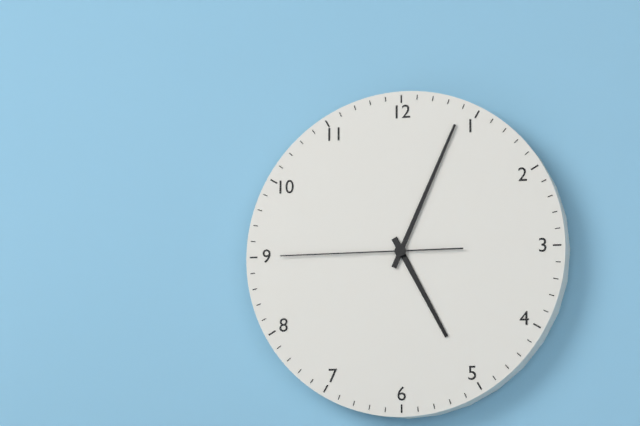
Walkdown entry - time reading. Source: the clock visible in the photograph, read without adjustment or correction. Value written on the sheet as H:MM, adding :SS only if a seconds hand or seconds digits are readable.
5:04:45
